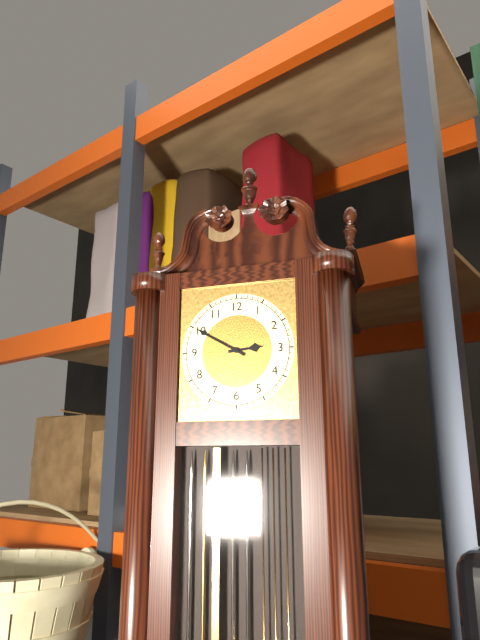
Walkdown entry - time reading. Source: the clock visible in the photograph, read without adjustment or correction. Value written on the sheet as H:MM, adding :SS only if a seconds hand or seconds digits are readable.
2:50
